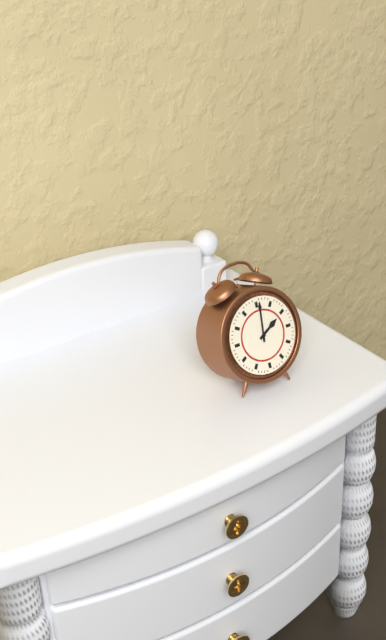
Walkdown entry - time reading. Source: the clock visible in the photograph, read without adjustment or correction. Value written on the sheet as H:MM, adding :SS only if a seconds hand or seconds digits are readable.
2:01
